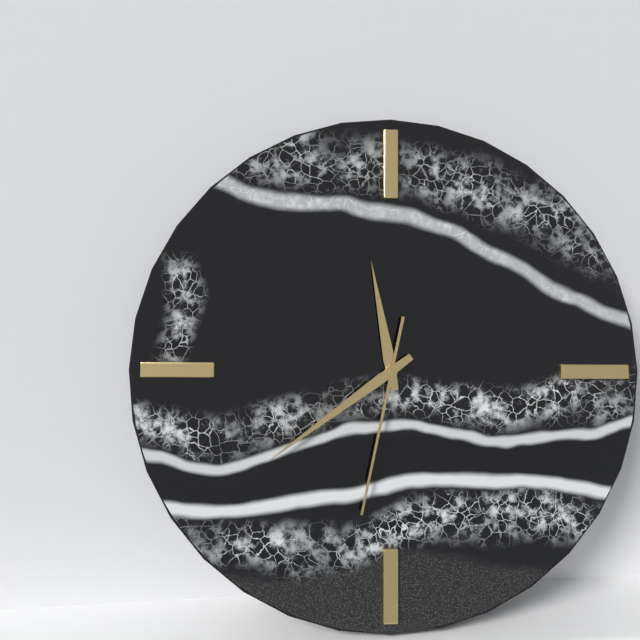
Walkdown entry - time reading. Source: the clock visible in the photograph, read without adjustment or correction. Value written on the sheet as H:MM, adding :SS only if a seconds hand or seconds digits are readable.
11:39:32
